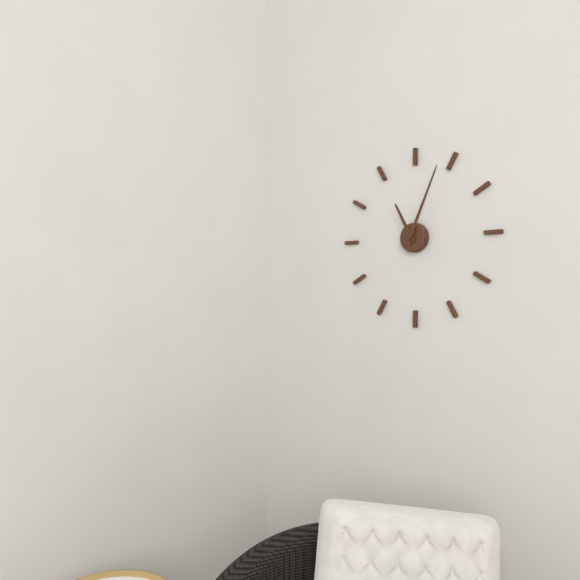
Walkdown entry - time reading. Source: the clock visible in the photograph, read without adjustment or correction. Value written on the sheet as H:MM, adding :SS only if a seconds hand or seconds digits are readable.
11:04
